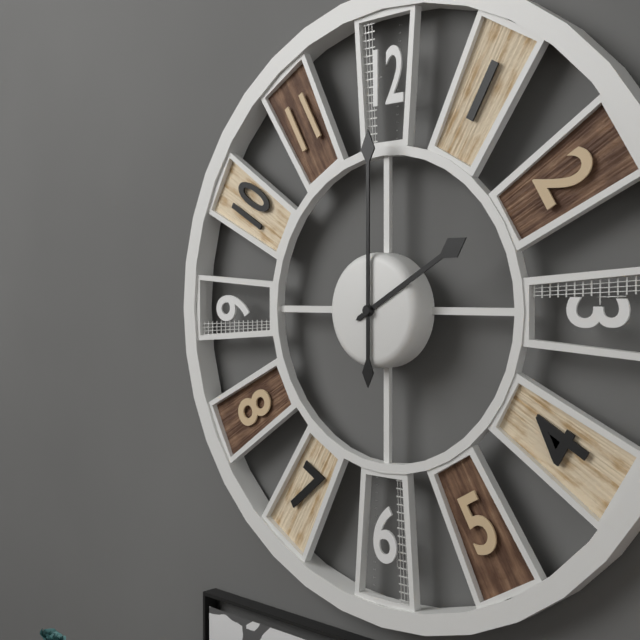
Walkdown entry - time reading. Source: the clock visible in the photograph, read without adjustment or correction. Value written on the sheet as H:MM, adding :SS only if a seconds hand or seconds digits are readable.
2:00
